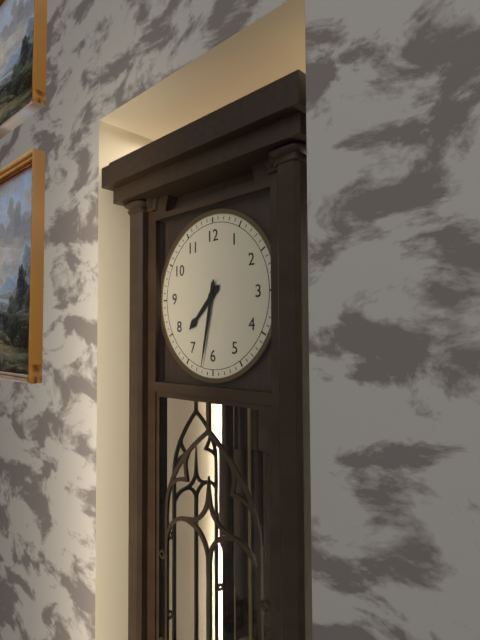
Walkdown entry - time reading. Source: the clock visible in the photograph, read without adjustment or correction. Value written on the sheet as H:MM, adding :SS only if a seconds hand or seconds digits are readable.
7:32
